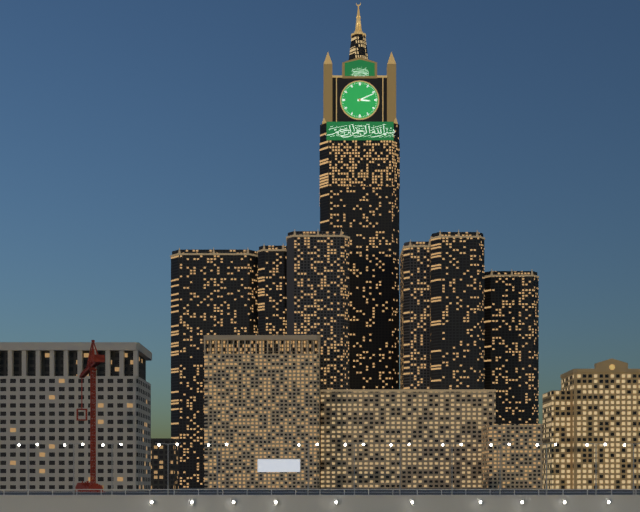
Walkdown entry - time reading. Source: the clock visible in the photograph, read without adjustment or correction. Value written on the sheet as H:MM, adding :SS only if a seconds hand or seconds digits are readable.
3:11
